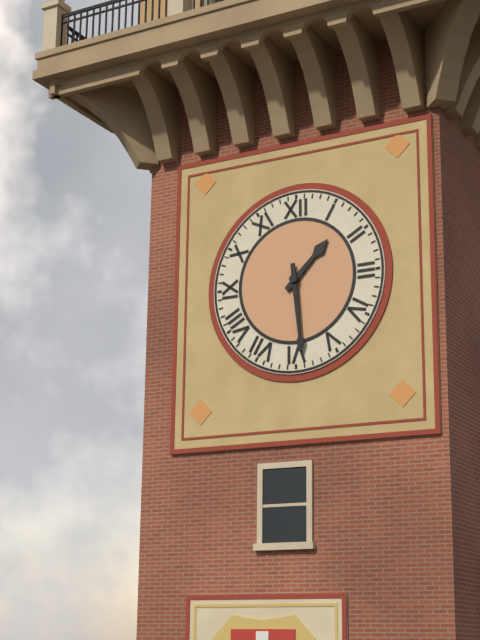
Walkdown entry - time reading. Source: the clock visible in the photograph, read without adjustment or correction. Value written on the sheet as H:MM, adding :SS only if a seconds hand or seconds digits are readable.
1:29
